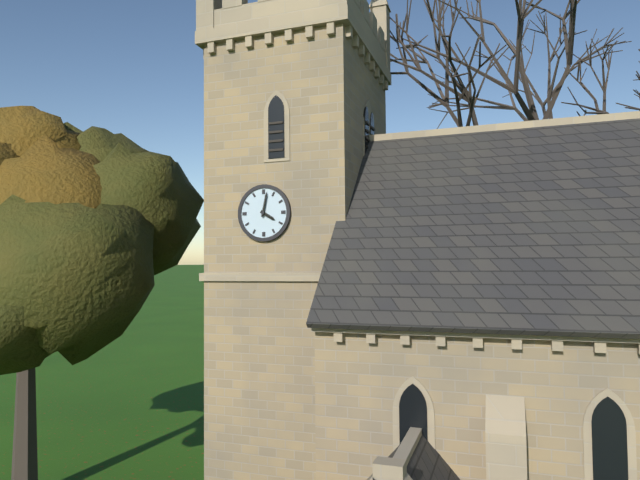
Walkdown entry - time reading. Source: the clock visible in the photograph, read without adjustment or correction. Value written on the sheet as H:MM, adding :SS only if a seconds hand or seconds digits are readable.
4:02
